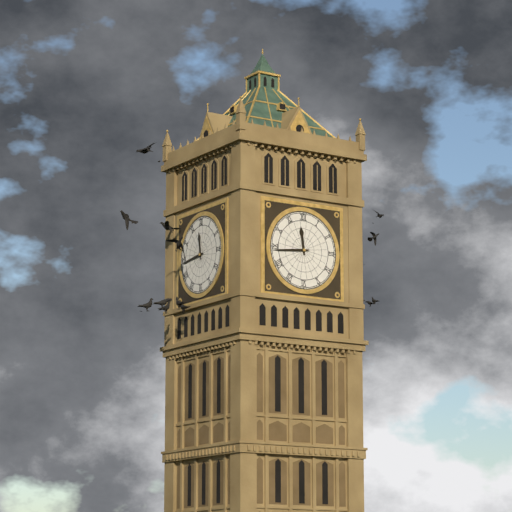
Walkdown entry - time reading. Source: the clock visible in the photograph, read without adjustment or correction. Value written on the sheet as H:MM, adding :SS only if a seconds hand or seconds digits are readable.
11:44
